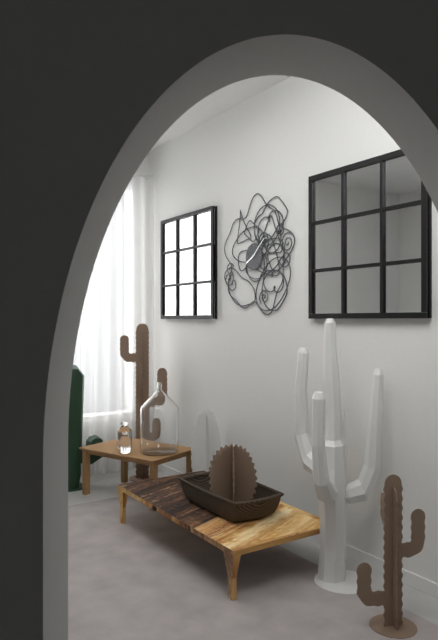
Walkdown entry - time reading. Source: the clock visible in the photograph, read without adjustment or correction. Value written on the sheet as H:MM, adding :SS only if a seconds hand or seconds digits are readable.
8:08
